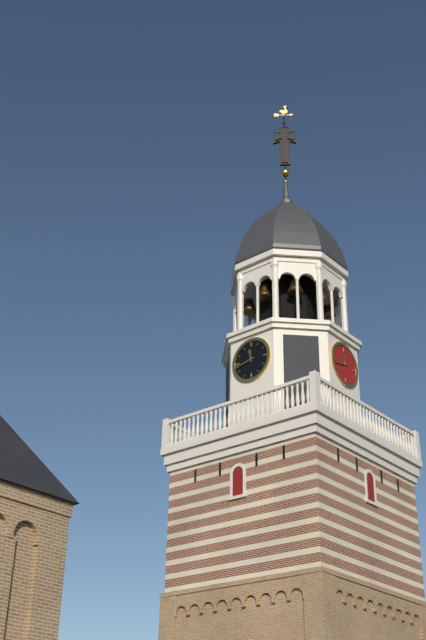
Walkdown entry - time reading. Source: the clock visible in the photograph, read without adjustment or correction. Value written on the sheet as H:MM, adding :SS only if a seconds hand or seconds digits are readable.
11:43
